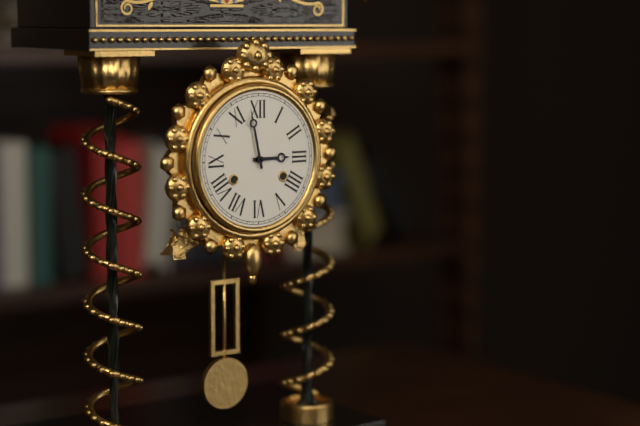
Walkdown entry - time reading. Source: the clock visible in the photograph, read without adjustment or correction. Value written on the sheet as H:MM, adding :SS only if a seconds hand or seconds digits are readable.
2:58
